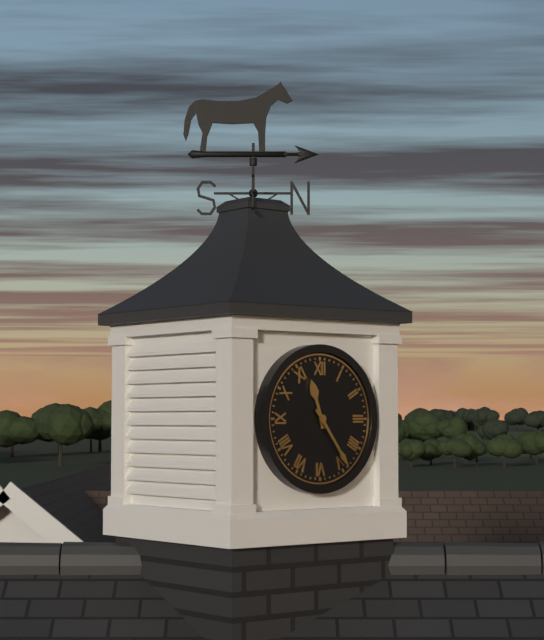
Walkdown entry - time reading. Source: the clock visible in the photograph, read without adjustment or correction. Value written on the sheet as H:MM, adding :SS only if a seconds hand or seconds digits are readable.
11:24
